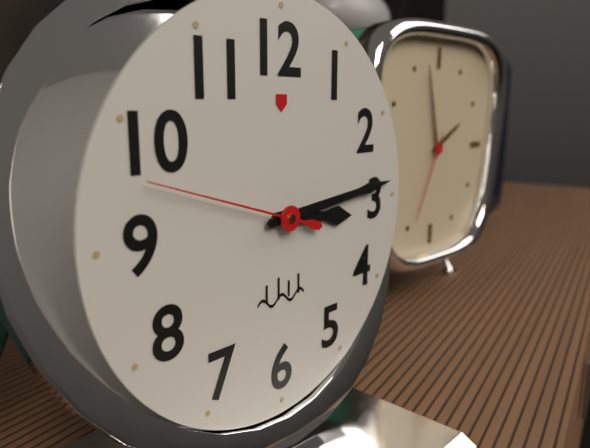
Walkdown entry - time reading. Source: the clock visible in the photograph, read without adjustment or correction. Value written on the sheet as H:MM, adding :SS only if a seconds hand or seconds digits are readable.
3:14:48
